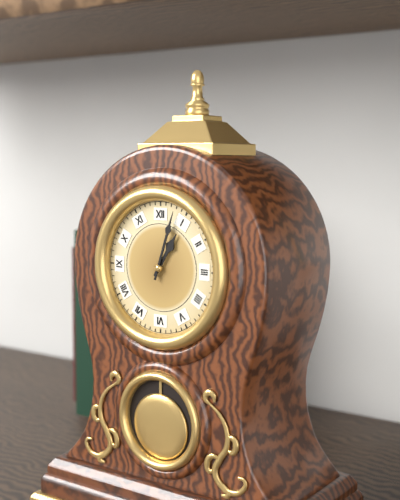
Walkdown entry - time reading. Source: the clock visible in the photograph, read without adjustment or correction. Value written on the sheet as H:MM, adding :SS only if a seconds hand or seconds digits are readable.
1:03
